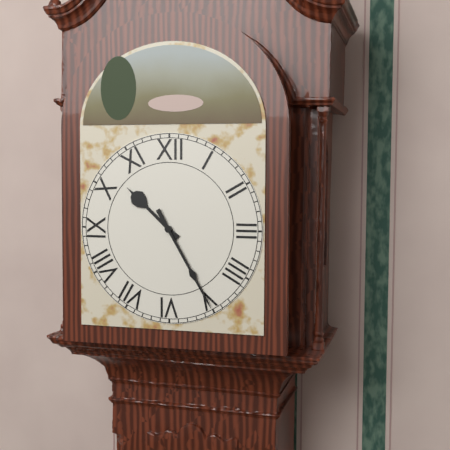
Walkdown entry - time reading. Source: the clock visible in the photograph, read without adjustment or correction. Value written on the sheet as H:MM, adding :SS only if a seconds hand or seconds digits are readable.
10:25
